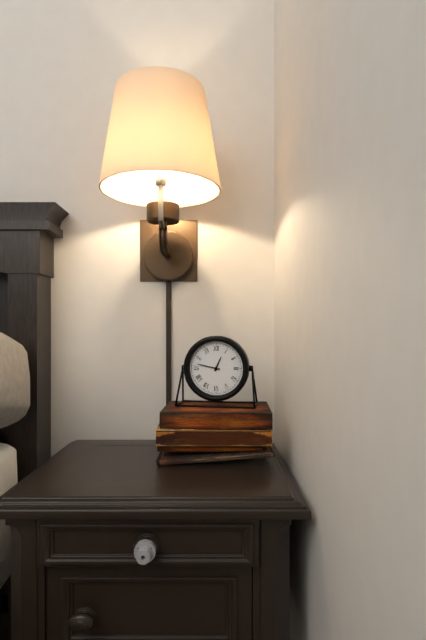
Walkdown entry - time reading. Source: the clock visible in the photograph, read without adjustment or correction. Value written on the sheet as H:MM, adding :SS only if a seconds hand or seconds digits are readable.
12:47
